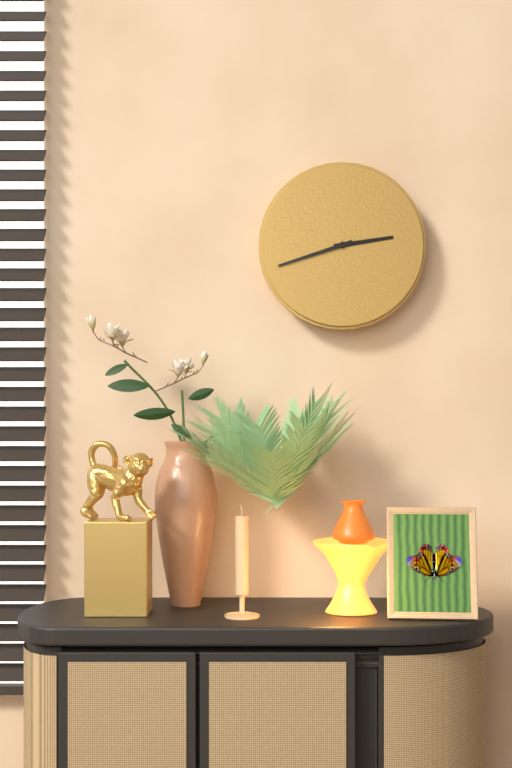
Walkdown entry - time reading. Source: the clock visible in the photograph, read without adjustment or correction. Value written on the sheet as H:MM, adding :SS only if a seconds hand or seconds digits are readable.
2:42
